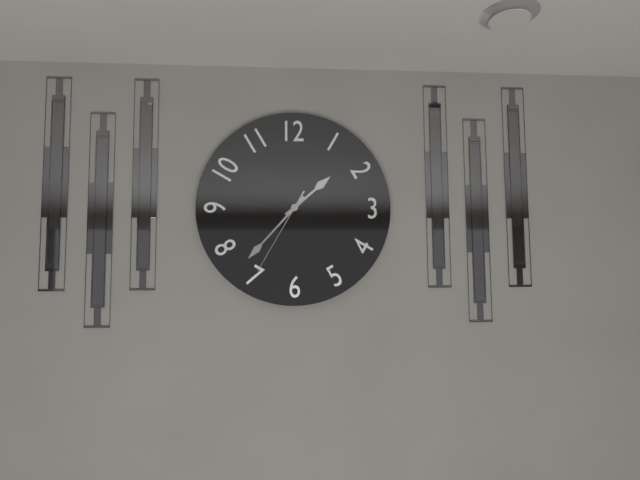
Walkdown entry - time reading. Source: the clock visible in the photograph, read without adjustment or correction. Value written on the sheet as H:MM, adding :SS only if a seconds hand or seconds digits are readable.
1:37:35
